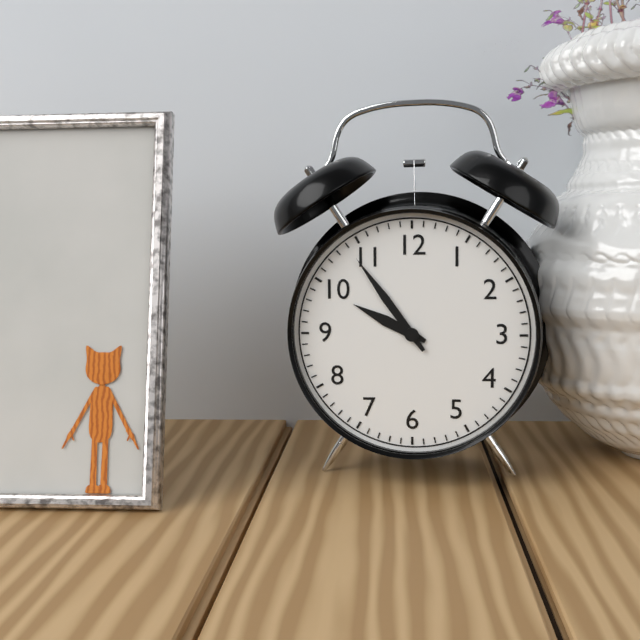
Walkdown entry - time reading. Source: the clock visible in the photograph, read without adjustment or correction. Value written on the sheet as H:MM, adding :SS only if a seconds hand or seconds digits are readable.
9:54
